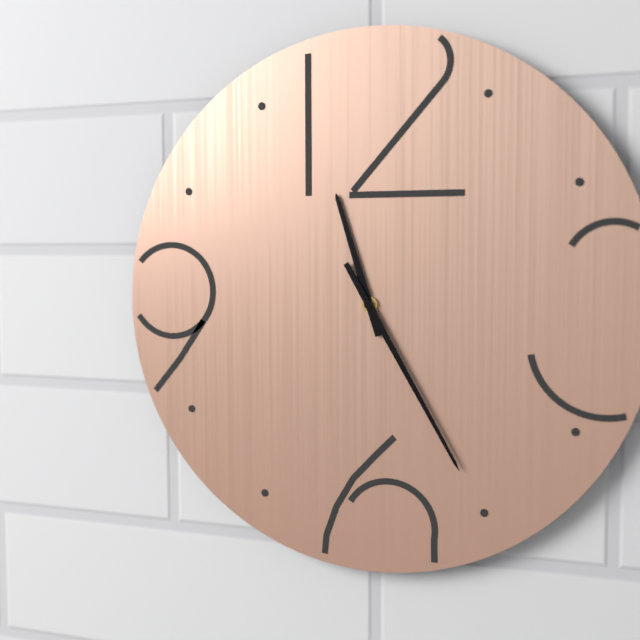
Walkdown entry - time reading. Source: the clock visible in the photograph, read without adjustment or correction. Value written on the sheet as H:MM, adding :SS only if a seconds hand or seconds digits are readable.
11:25
